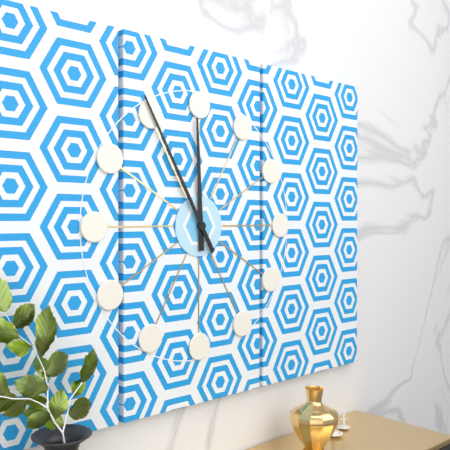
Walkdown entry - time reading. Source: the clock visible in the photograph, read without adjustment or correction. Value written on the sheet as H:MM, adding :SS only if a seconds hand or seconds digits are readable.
11:55
